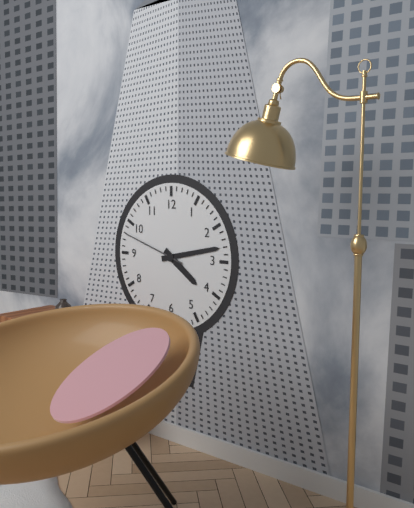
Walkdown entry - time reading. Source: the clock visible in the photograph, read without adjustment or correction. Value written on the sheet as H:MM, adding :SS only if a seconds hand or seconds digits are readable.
4:13:48
